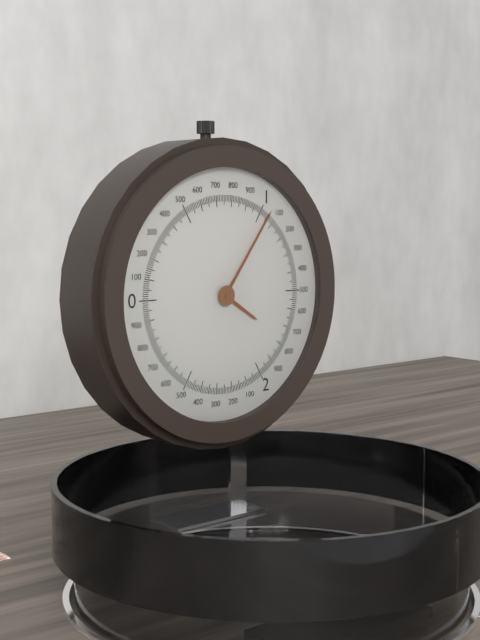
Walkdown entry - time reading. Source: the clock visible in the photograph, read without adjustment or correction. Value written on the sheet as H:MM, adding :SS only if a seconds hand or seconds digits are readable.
4:06
